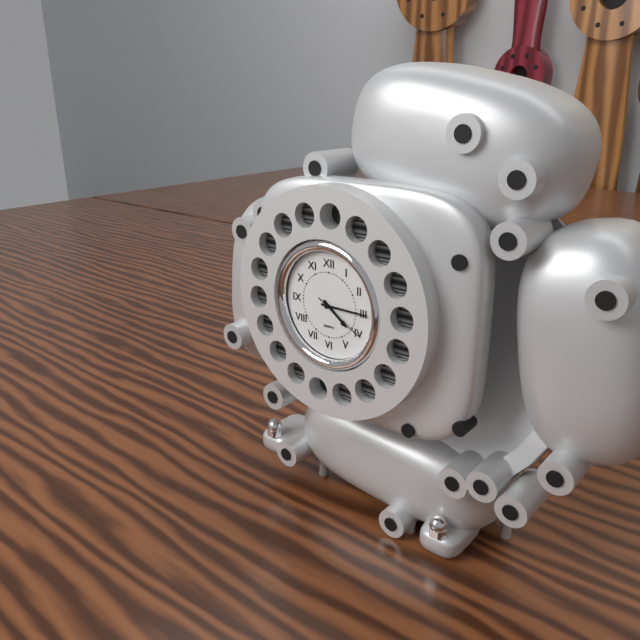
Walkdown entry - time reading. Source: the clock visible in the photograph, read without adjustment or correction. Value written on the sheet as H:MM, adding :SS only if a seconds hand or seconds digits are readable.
4:15:20
